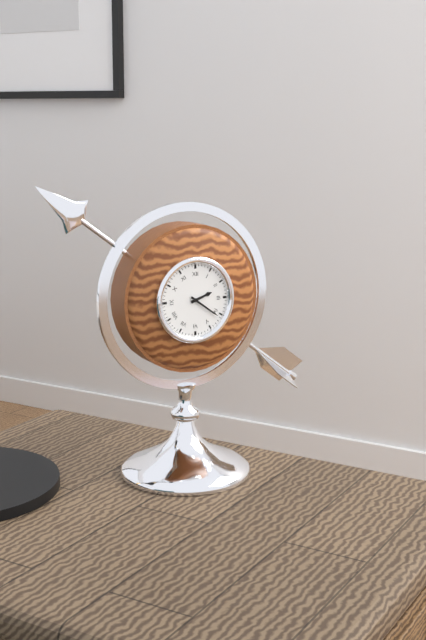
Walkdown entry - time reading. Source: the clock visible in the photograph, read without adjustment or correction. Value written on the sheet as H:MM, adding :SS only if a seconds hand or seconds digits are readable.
2:21
